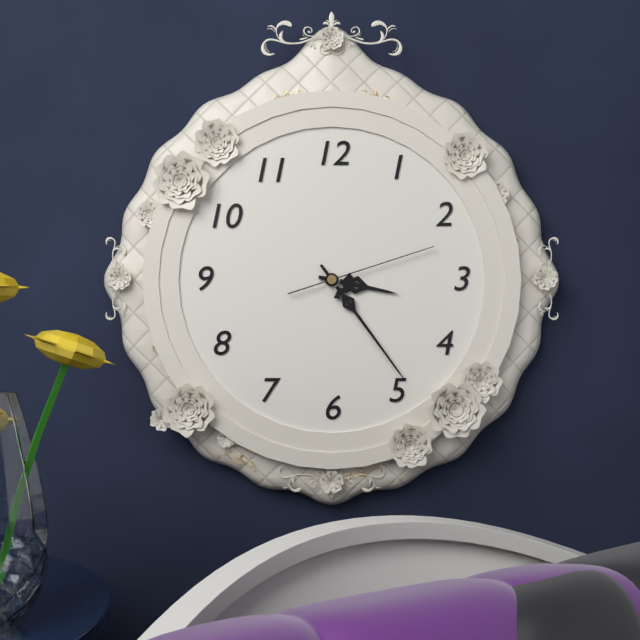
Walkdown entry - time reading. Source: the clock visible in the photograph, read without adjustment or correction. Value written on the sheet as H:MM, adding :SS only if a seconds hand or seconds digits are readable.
3:24:12
